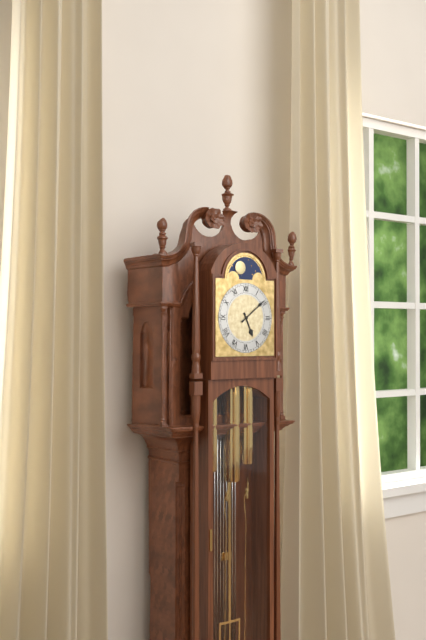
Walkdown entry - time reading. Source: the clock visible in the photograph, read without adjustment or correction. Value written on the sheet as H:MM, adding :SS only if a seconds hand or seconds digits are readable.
5:09
